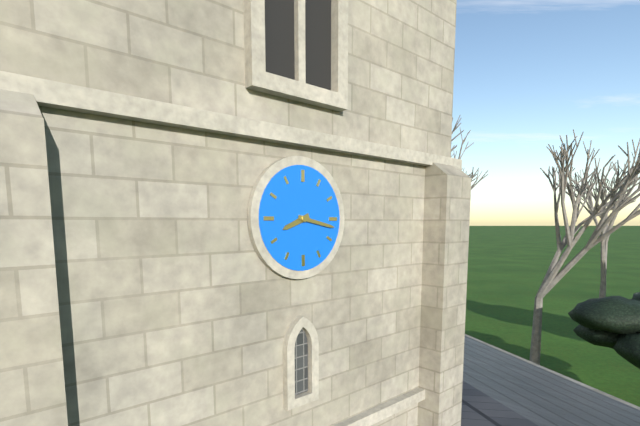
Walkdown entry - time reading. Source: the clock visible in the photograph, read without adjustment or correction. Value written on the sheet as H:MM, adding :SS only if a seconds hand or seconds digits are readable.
8:17
